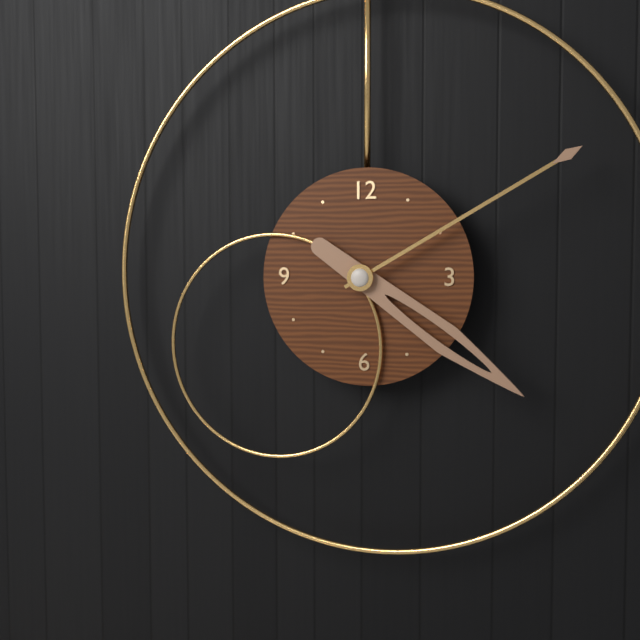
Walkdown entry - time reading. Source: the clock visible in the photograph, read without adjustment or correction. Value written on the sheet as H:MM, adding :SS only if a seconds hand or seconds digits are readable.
4:10
